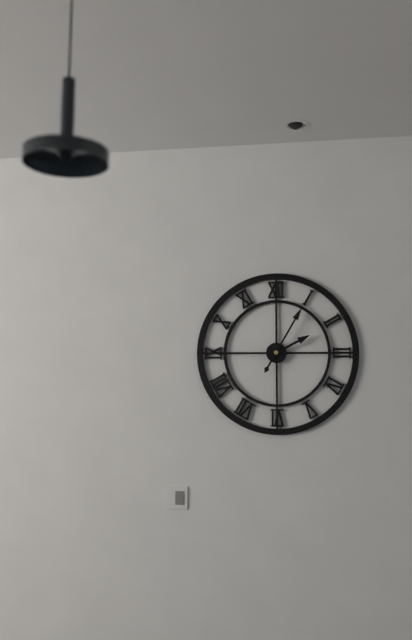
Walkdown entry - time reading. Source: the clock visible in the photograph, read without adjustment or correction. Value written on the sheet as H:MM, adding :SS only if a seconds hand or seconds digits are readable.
2:05
